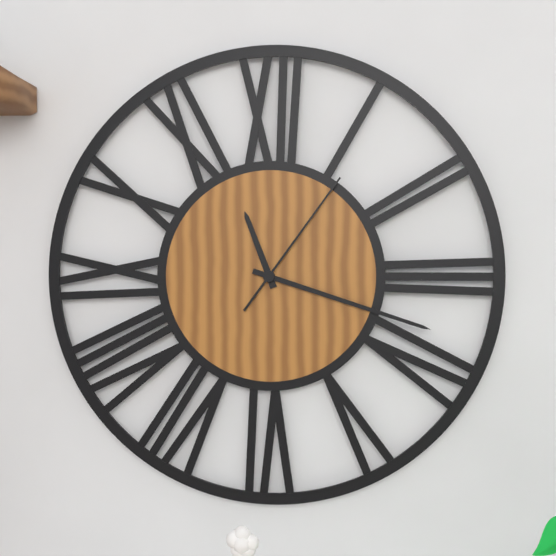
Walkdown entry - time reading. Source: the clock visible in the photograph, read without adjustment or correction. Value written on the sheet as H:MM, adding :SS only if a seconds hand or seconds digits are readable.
11:18:06
